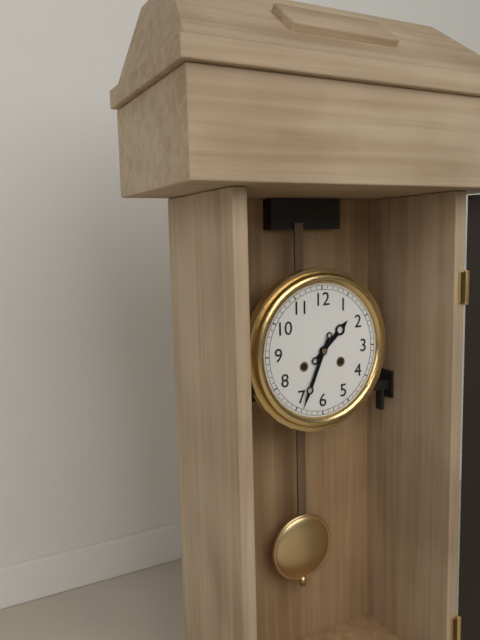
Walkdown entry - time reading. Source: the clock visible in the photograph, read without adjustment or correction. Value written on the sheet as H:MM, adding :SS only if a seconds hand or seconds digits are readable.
1:34
